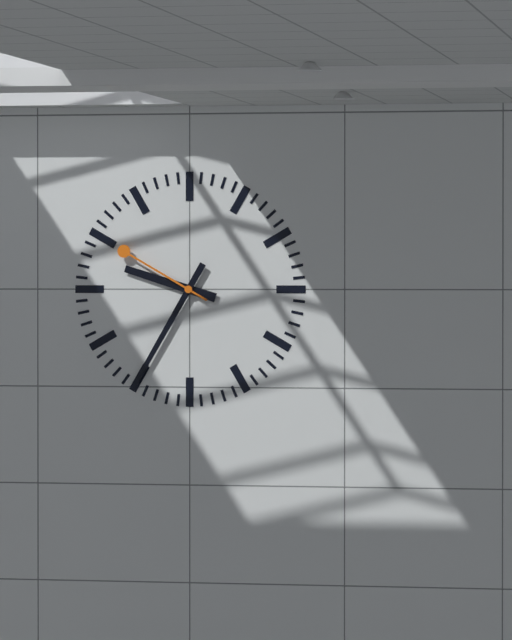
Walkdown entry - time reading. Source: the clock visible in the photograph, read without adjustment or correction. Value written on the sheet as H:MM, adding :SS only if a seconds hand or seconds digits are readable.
9:35:50
